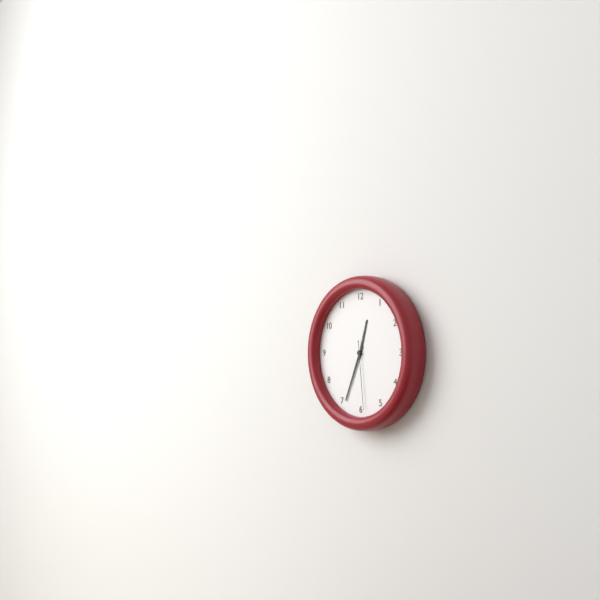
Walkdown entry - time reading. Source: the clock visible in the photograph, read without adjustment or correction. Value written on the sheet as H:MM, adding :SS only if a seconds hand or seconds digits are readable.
12:34:29
